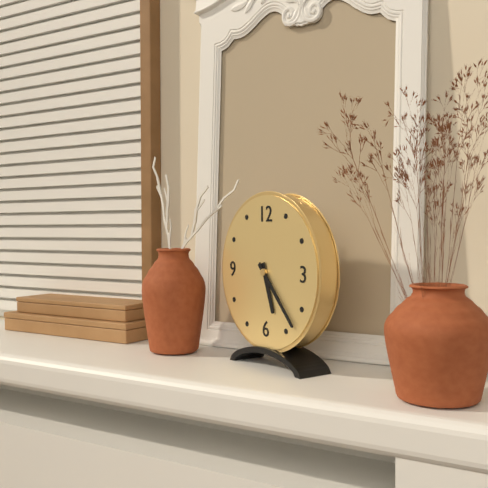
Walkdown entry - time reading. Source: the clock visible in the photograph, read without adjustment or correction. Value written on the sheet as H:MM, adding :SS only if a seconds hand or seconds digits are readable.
5:23
